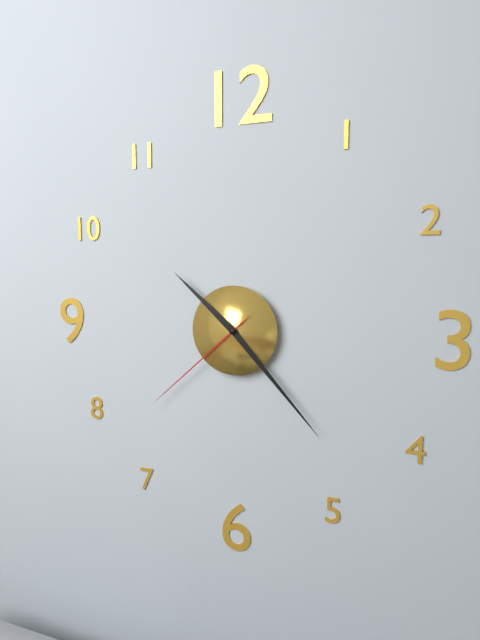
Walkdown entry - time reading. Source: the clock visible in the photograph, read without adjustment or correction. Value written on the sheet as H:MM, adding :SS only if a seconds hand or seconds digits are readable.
10:23:38
